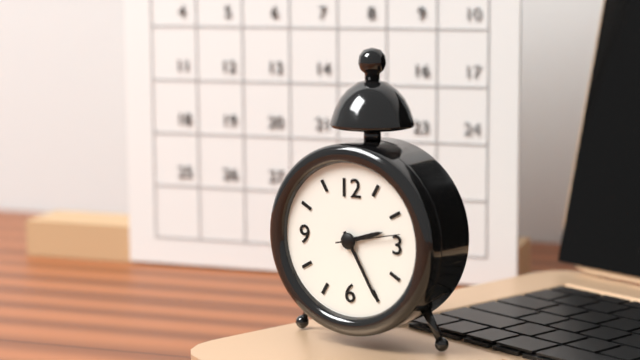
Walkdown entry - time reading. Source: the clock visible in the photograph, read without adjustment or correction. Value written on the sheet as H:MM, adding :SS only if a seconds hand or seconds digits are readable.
2:25
